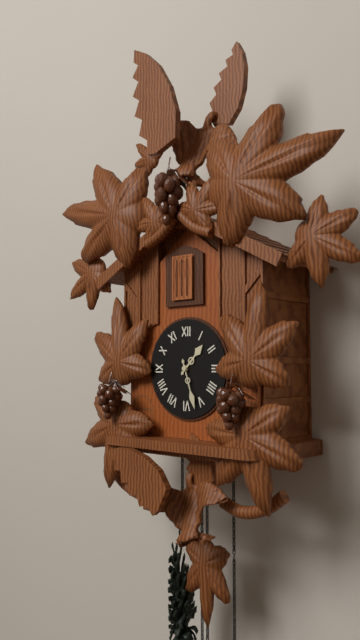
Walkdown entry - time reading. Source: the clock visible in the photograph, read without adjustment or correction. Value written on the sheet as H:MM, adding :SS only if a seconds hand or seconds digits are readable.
1:27
